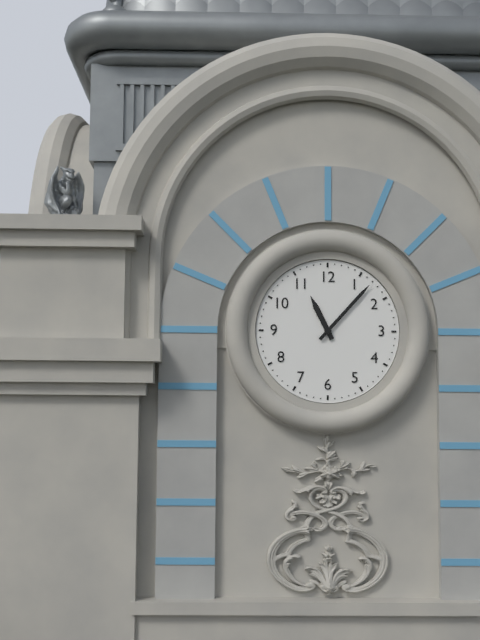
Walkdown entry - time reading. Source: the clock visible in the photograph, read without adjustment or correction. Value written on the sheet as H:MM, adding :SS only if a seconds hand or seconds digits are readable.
11:07
